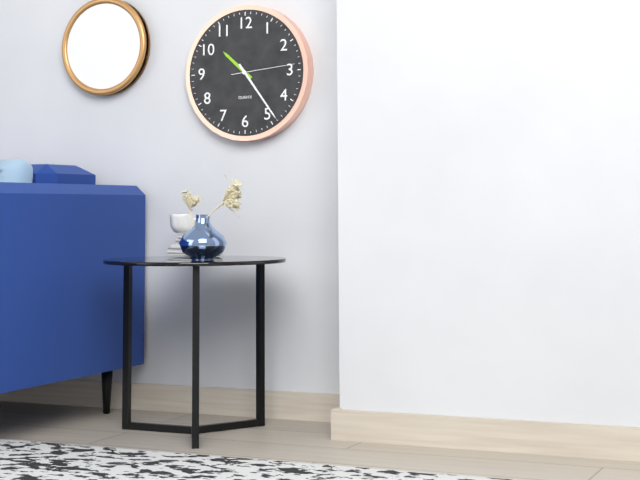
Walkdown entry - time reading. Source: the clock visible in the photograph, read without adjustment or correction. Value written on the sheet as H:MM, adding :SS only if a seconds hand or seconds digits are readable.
10:24:14
